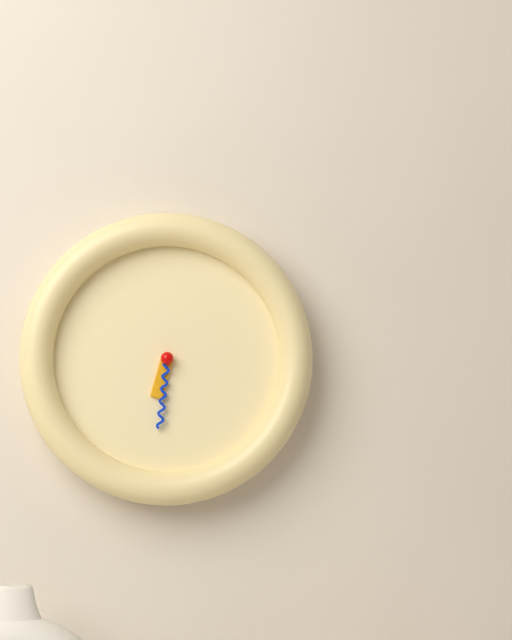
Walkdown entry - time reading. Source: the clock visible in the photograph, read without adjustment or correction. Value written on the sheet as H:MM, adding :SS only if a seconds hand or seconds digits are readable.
6:31
